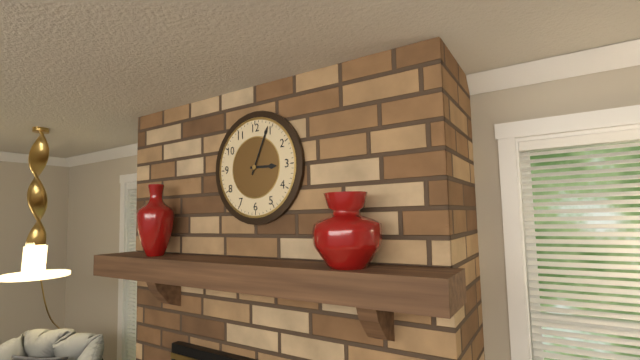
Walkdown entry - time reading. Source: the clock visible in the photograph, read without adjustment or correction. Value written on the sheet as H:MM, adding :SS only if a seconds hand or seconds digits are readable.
3:04
